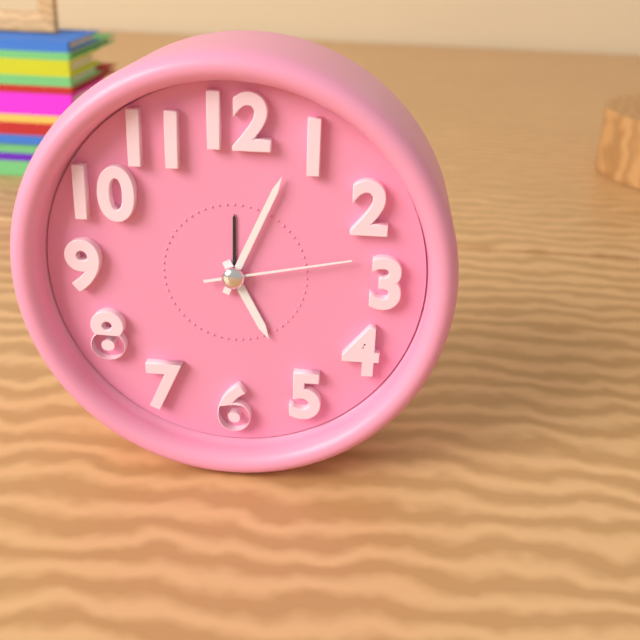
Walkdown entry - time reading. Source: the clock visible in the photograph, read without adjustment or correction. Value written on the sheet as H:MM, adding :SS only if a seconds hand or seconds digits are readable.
5:04:13
